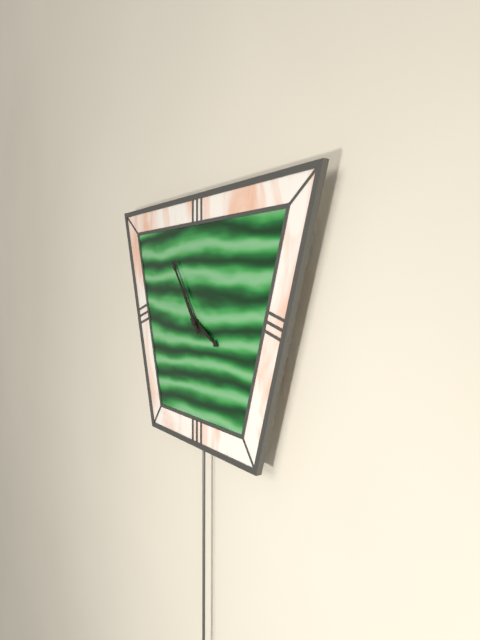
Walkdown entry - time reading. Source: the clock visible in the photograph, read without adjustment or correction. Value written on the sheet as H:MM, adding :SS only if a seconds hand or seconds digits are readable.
3:54
